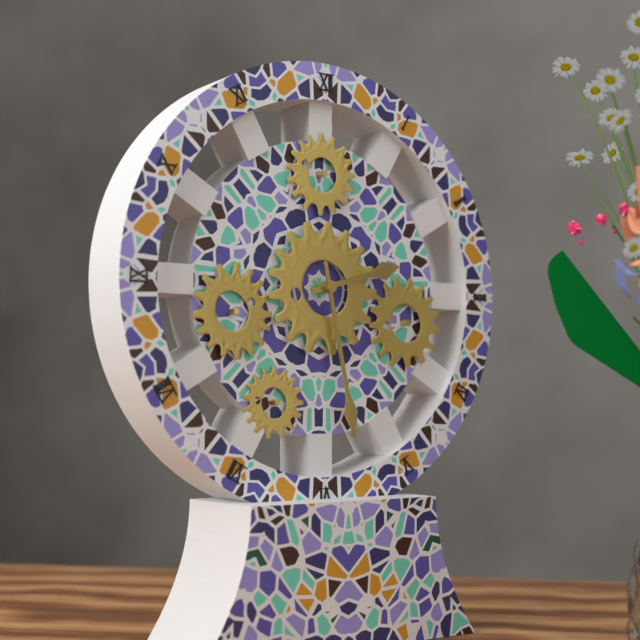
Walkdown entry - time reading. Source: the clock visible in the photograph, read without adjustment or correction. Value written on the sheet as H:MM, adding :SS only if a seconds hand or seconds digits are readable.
2:28
